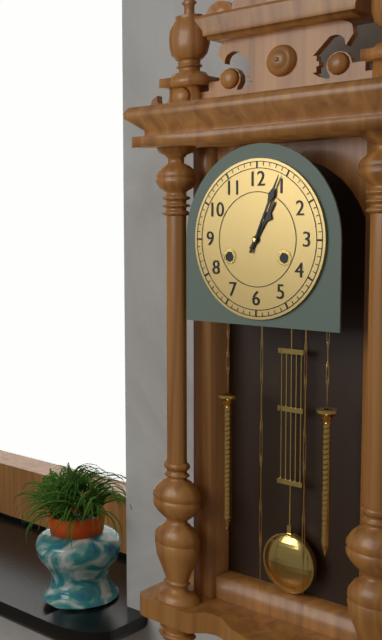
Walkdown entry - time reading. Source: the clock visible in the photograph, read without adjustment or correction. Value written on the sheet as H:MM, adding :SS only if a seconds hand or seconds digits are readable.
1:04
